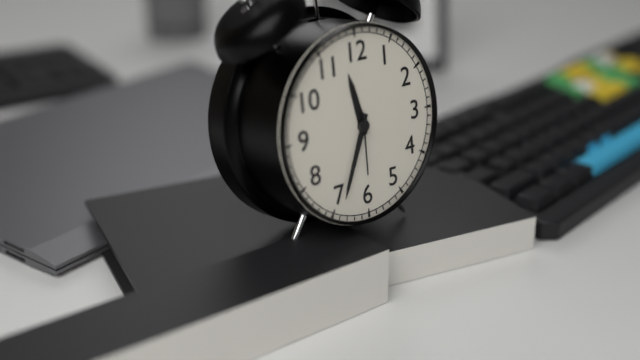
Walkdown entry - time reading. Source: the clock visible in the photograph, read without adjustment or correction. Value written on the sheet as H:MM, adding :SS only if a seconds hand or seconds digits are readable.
11:34:30
